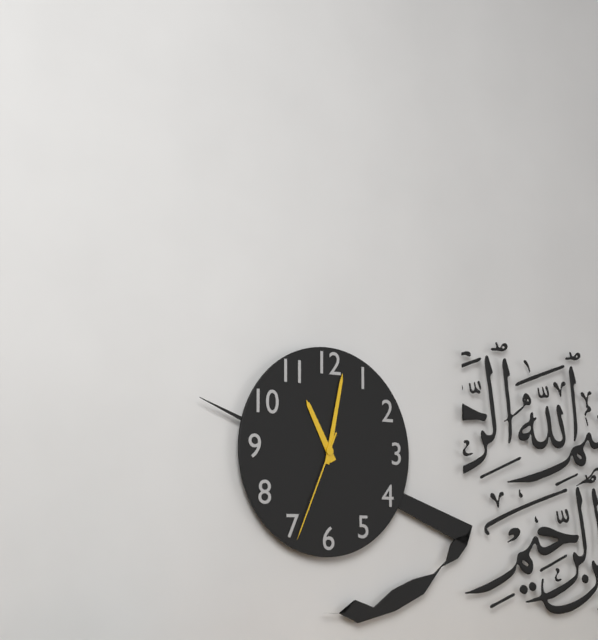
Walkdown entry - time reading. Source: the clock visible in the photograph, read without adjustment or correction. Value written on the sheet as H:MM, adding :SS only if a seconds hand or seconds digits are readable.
11:02:34
